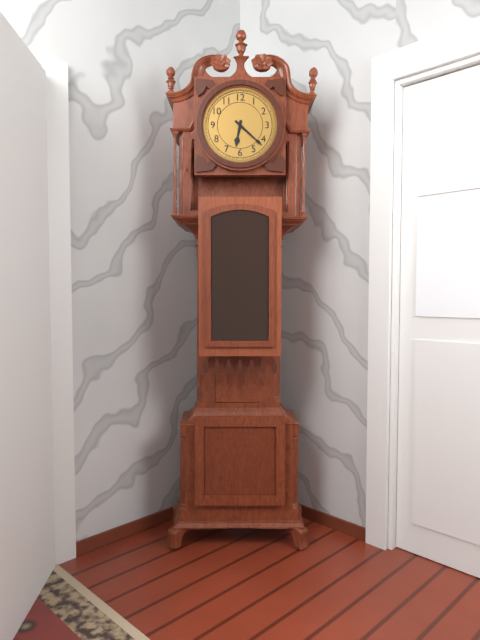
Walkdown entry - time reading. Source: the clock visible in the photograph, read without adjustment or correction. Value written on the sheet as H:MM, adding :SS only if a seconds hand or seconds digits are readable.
6:22
